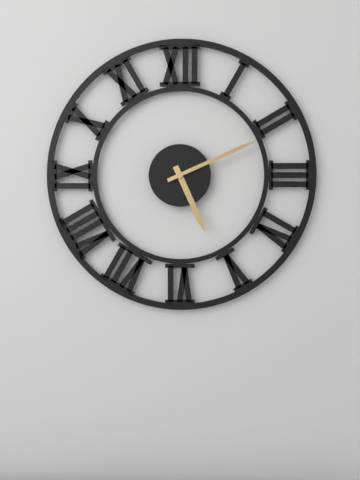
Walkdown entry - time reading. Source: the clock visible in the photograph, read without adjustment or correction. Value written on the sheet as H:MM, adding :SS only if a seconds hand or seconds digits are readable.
5:11
